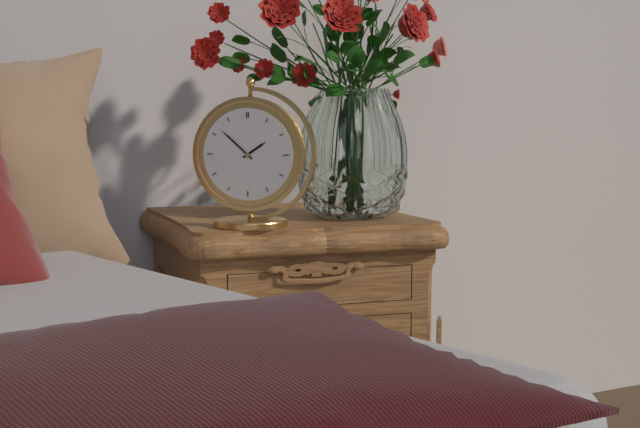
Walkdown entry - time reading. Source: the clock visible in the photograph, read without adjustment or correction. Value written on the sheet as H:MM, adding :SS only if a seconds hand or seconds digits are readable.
1:52
